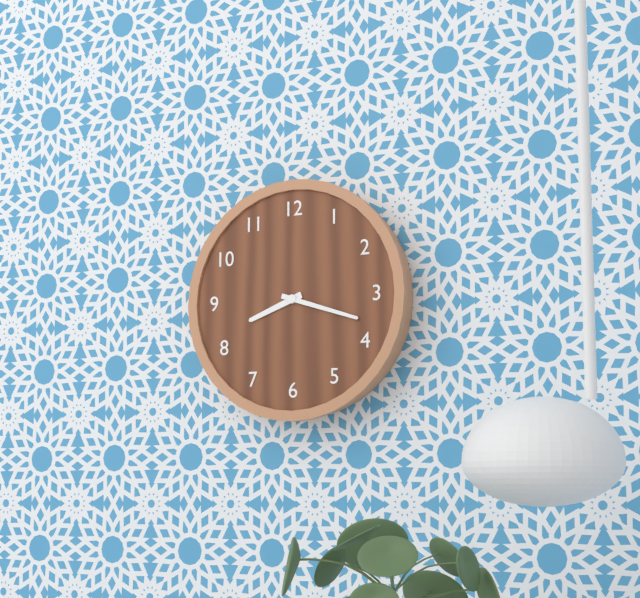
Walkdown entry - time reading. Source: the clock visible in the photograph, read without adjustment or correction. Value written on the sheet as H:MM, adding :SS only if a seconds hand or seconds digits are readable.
8:18
